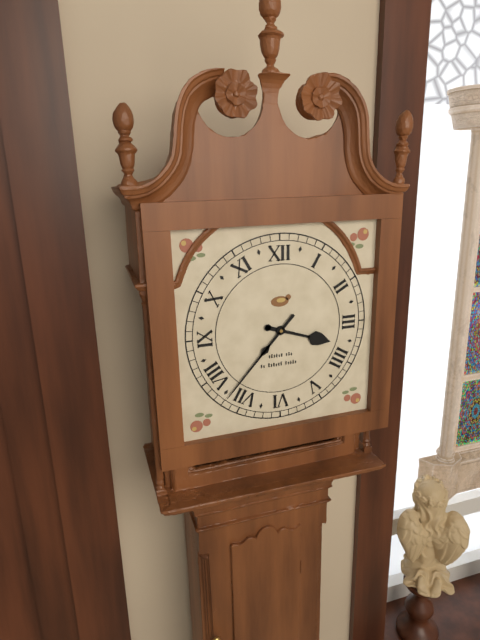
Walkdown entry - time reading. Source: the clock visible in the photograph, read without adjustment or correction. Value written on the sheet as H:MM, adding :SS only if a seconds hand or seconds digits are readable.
3:37
